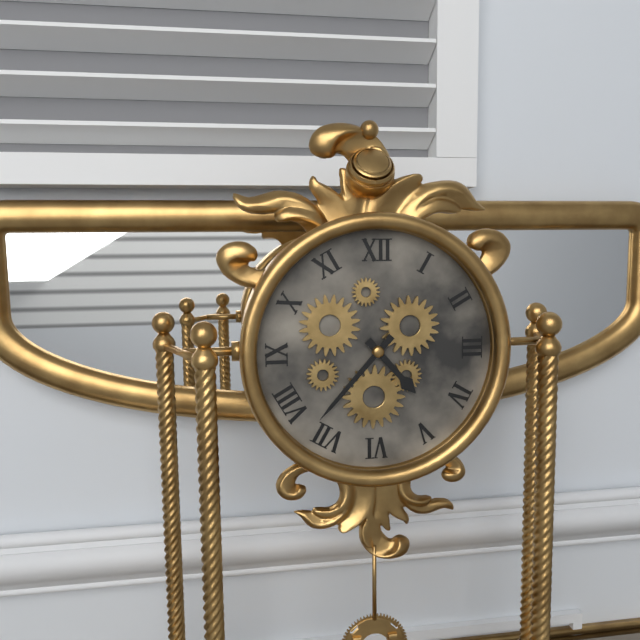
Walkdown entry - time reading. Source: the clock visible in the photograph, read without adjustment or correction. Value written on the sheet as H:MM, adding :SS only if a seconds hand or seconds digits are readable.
4:37
